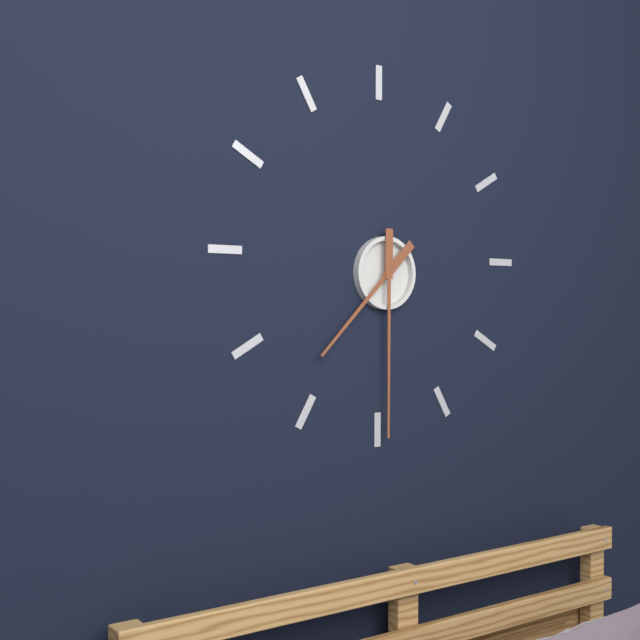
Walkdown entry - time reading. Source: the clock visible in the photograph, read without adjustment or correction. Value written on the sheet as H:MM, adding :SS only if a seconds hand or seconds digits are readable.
7:30
